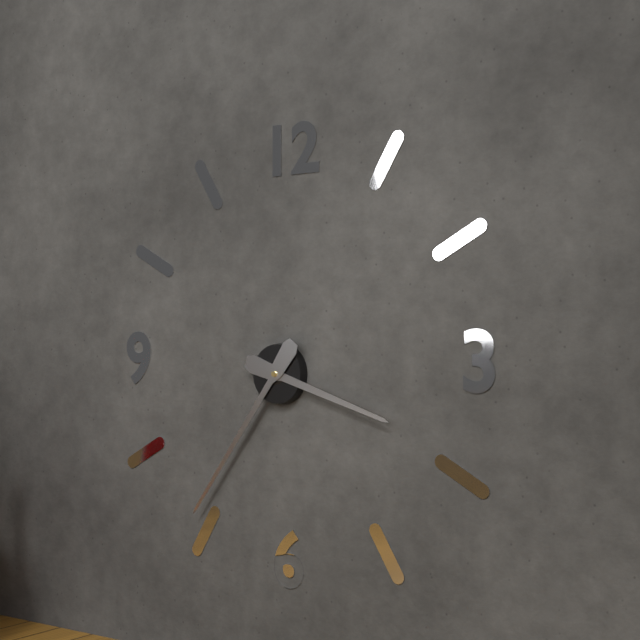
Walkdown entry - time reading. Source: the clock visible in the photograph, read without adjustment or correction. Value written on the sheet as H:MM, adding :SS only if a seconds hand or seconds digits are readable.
3:36
